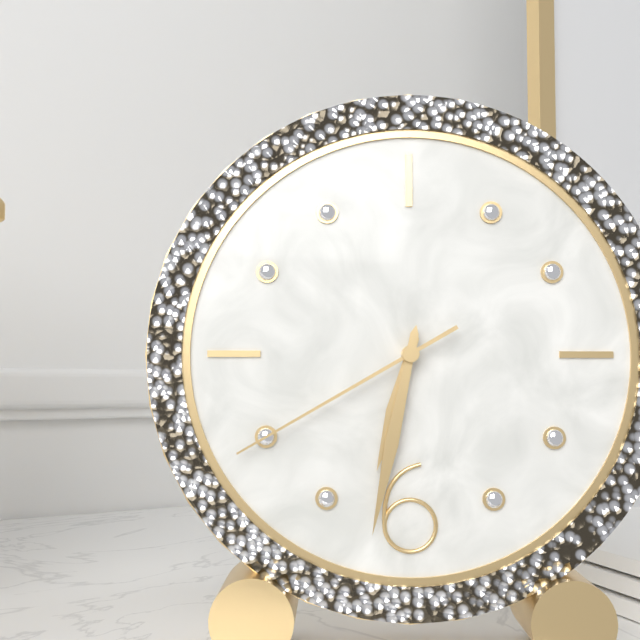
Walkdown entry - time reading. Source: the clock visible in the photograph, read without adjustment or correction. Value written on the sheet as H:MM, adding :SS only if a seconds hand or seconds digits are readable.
6:32:40
